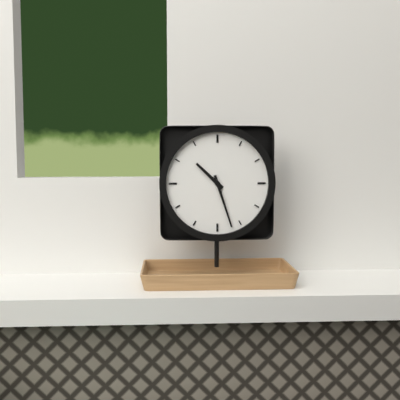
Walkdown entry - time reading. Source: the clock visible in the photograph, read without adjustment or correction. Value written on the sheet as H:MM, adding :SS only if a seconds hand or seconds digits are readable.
10:27
